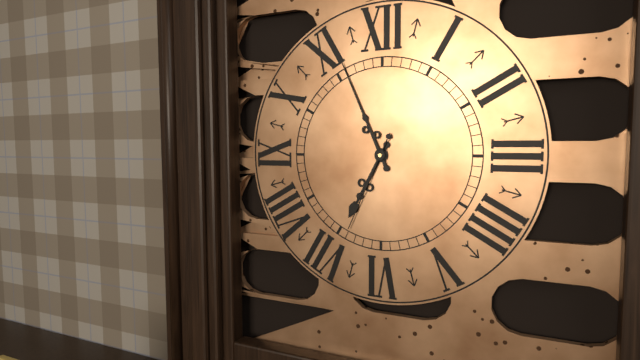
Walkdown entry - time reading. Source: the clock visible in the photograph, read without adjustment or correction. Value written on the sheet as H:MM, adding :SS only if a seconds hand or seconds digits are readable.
6:56:34
